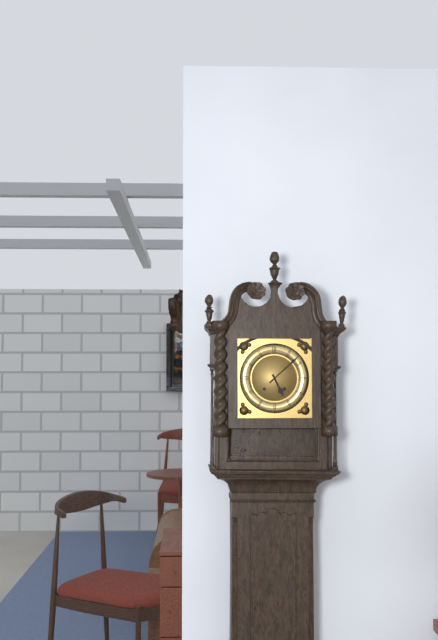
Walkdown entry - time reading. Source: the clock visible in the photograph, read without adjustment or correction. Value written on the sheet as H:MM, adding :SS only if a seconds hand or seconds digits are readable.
5:08
